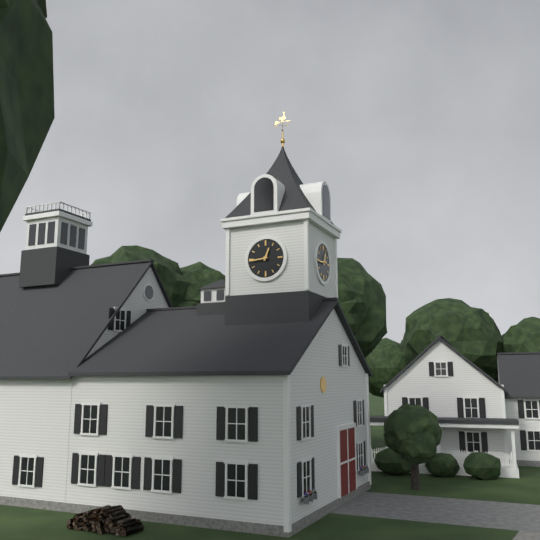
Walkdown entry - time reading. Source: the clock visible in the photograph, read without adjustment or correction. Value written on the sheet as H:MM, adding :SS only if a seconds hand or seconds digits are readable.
12:44
